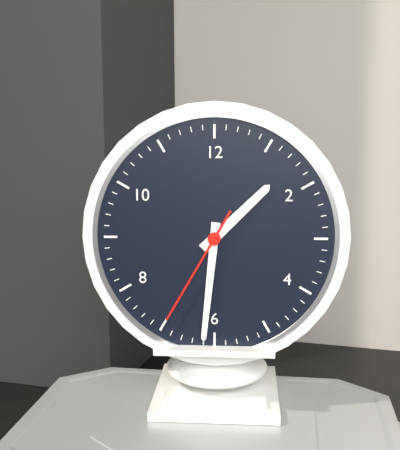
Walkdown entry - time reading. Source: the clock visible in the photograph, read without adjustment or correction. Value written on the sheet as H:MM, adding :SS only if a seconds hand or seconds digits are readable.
1:31:35
